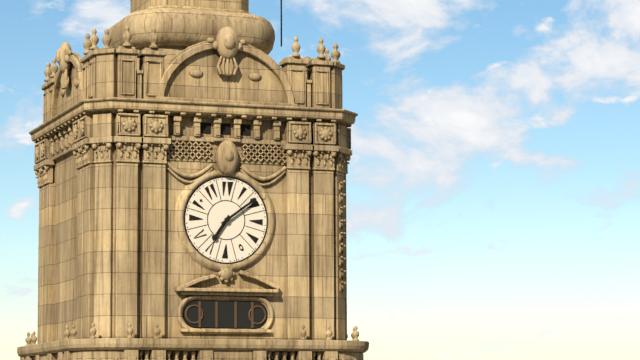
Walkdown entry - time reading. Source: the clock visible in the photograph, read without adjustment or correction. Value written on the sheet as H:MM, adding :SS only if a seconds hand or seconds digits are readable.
7:09
